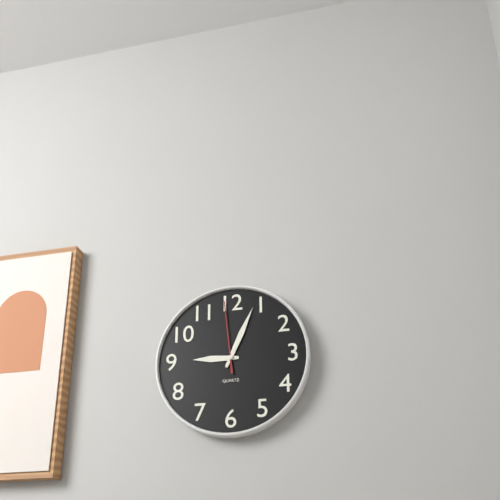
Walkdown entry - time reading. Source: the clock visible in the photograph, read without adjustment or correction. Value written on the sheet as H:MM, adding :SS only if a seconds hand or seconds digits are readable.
9:04:59
